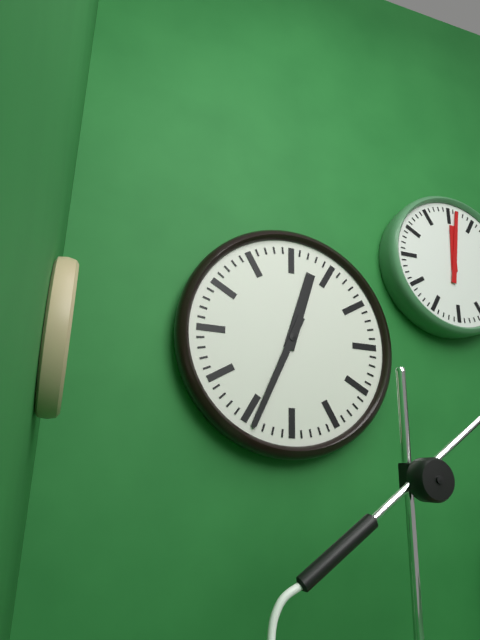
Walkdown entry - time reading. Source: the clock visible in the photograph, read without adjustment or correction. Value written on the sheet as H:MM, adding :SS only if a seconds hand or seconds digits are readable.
12:34
